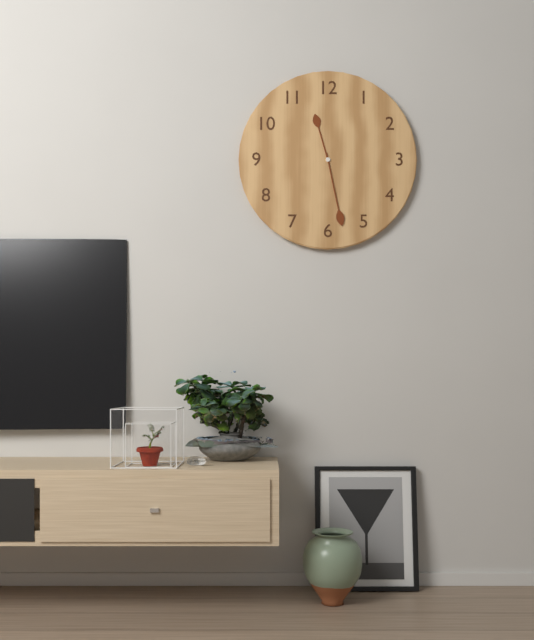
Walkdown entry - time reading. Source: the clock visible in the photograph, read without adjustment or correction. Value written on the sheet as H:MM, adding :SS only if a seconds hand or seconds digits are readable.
11:28
